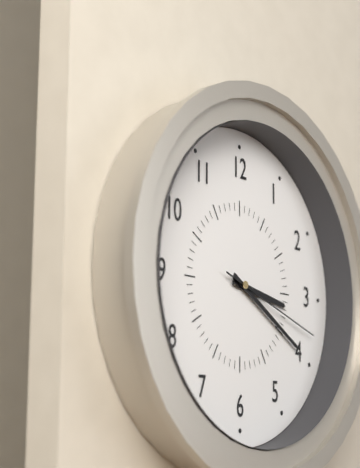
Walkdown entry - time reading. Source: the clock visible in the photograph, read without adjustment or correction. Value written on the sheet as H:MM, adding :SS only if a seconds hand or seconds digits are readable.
3:20:18
